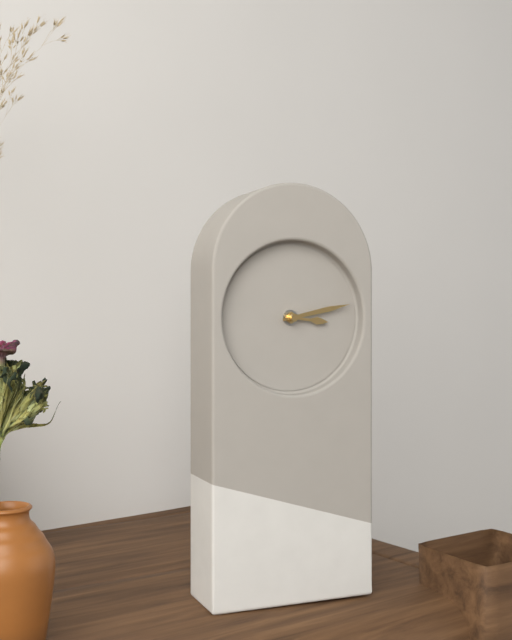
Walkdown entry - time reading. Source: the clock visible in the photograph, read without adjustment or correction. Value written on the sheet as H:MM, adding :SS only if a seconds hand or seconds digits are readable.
3:13
